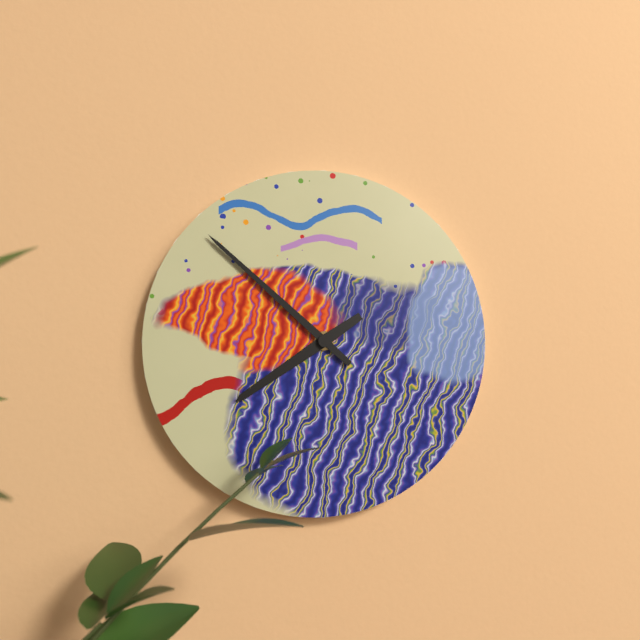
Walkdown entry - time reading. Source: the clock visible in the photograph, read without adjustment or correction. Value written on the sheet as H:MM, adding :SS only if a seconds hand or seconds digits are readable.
7:52
